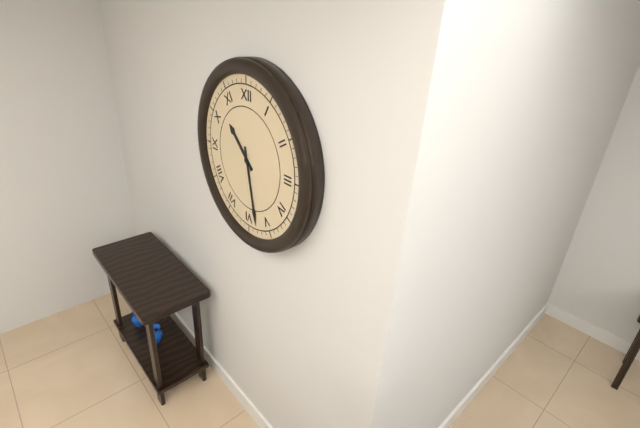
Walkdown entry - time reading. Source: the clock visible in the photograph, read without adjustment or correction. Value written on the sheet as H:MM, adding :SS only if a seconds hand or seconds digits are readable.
10:28
